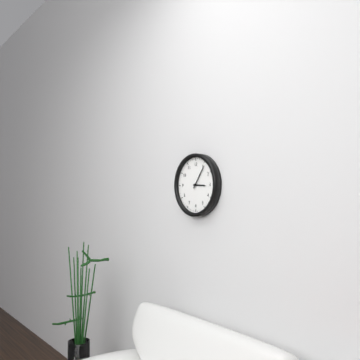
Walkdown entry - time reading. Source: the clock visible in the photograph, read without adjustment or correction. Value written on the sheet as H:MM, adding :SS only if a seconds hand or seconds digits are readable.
3:06
